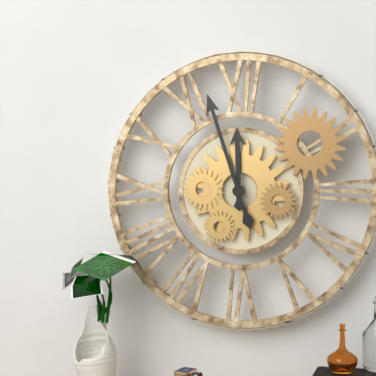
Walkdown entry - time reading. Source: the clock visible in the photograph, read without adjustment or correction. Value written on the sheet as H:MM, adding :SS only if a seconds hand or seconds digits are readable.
11:57
